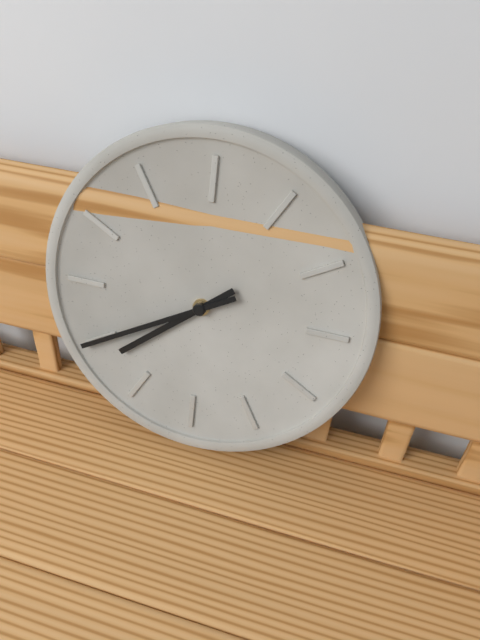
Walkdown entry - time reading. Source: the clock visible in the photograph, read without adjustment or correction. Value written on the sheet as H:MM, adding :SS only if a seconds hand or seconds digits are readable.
7:40
